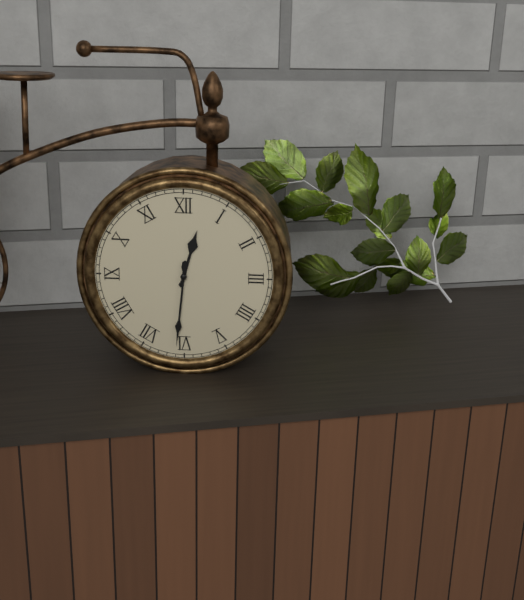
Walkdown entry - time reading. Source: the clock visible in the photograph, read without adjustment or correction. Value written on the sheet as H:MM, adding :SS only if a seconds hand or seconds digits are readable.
12:31
